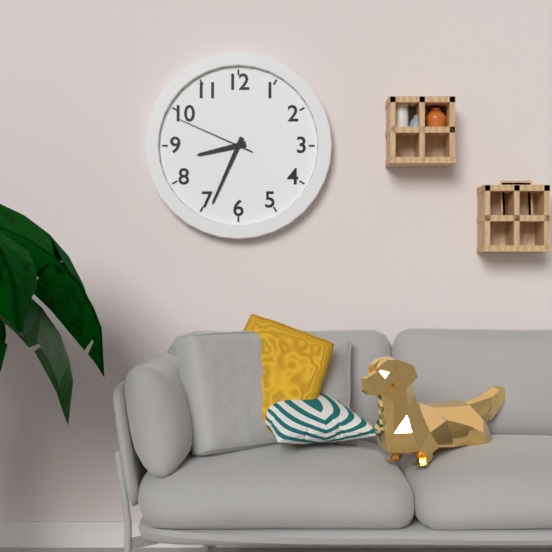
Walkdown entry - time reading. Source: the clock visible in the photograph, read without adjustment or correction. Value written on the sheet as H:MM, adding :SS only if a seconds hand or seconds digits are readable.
8:34:49
